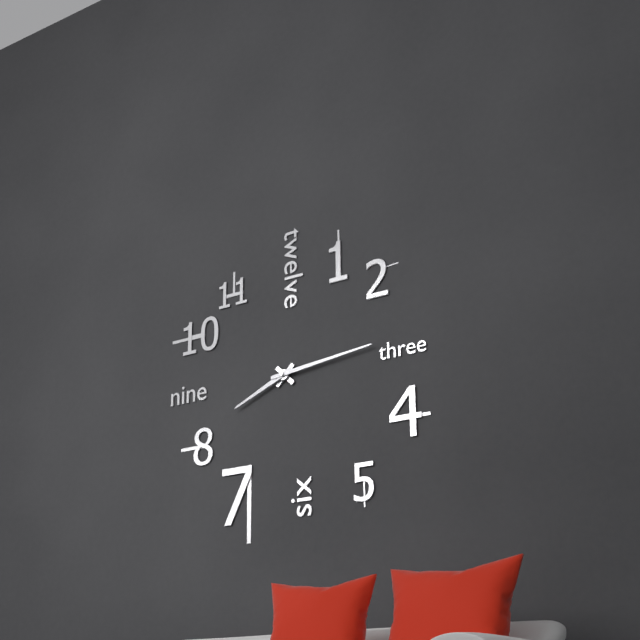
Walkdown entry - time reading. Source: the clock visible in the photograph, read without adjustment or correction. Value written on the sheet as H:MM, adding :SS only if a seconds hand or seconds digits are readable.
8:14
